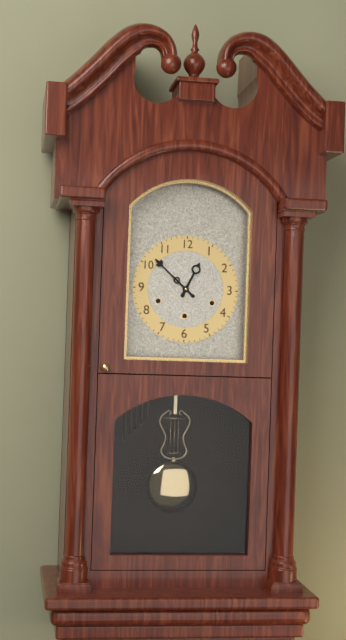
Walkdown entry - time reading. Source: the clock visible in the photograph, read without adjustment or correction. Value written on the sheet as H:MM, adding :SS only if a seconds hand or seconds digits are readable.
12:52
